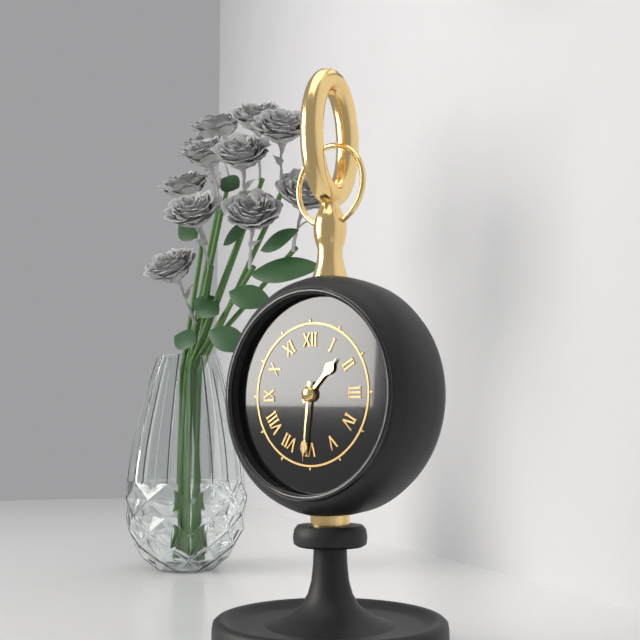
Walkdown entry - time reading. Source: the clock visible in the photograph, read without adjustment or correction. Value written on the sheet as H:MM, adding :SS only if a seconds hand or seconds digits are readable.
1:31
